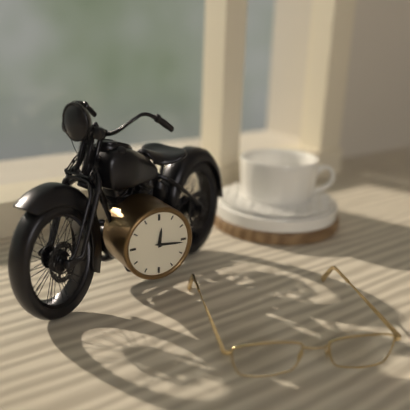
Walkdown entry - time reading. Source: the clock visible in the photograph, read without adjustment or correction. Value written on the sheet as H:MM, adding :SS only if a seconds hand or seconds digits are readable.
12:16
